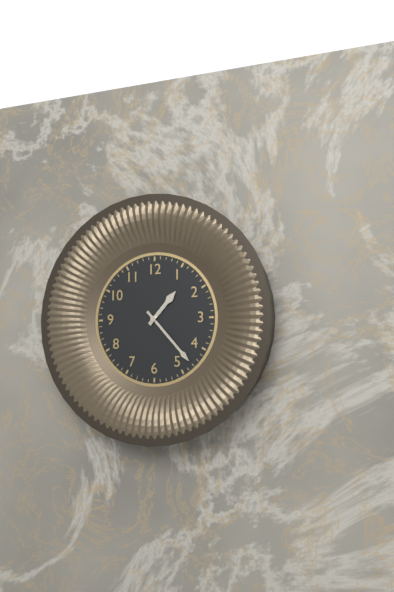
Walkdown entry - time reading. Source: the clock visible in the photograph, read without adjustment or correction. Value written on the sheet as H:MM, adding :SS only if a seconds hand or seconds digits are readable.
1:23
